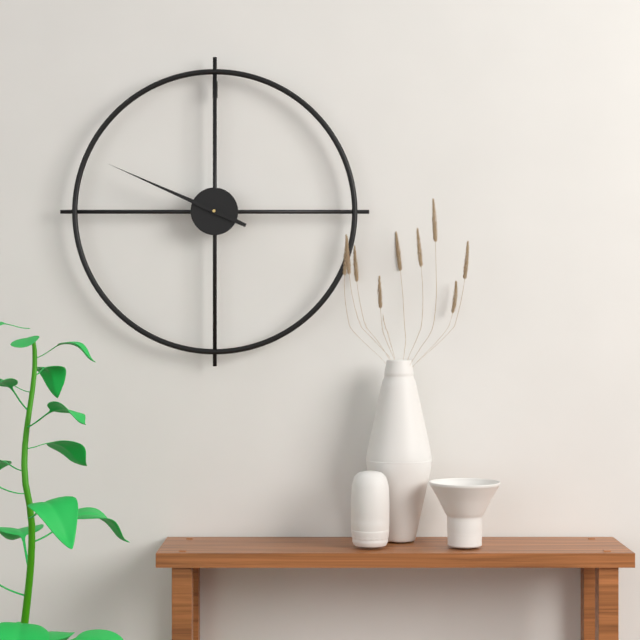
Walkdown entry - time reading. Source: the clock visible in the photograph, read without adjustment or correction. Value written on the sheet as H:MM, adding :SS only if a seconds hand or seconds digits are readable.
9:49
